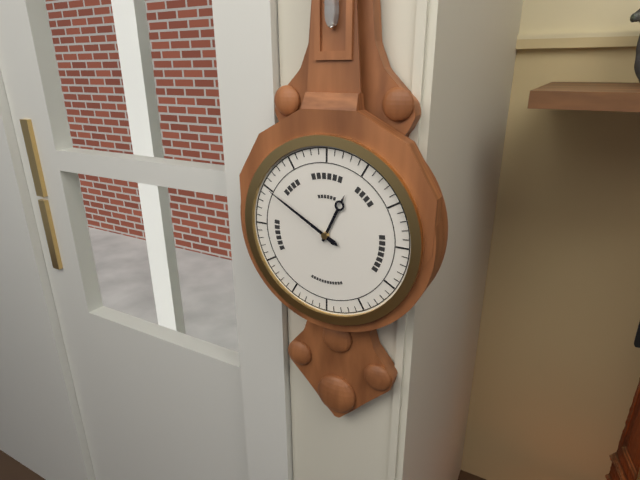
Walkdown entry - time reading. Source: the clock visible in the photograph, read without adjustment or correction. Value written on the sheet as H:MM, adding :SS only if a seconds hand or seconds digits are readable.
12:50
